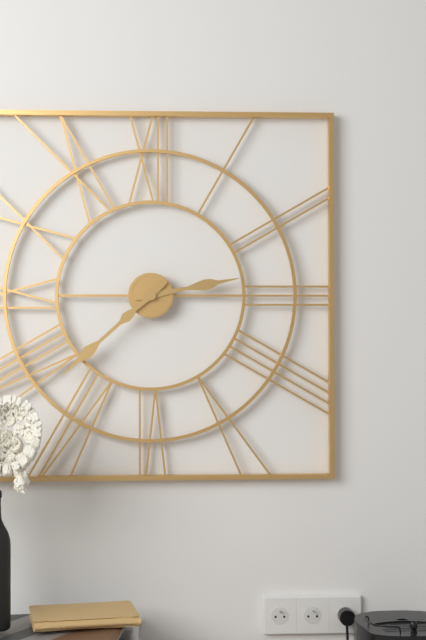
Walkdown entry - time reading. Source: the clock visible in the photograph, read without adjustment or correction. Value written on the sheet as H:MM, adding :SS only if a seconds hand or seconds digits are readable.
2:38
